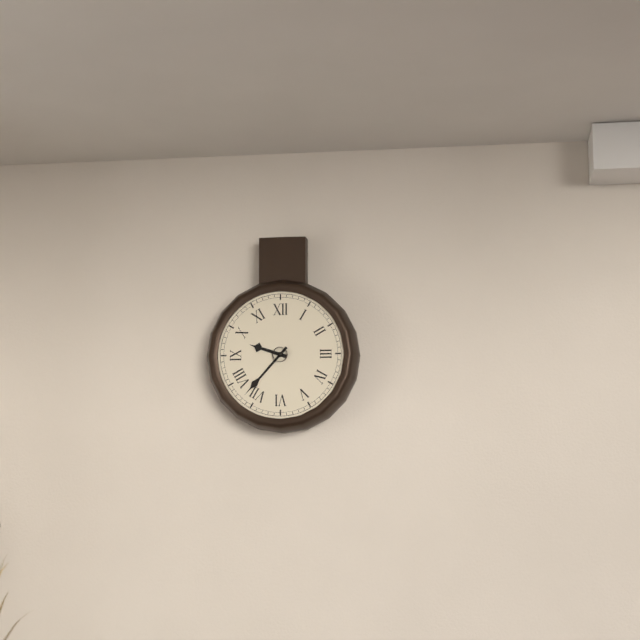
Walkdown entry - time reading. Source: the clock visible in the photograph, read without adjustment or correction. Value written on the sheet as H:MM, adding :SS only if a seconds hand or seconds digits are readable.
9:37
